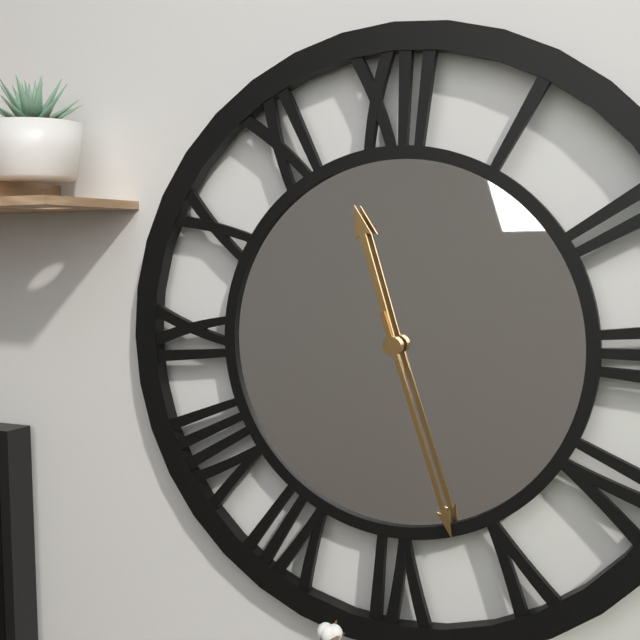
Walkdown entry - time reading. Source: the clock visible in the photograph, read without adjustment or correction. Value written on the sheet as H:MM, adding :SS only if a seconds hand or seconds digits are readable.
11:27
